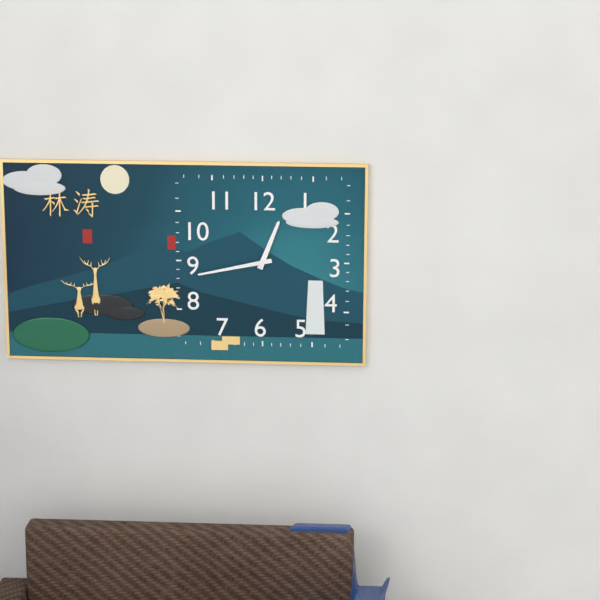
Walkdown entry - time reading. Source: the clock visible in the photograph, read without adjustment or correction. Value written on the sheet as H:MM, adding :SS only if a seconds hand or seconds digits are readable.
12:43
